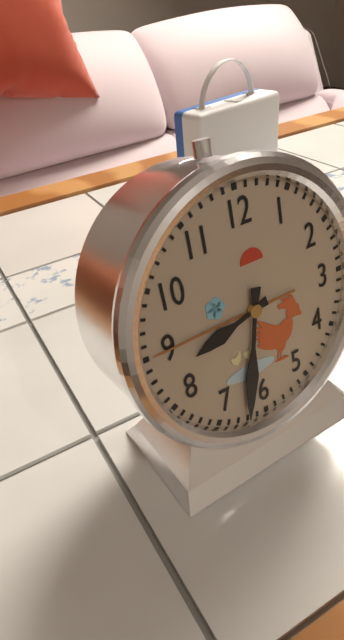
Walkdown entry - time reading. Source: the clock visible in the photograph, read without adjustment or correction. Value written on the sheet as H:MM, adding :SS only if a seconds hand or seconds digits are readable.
8:32
